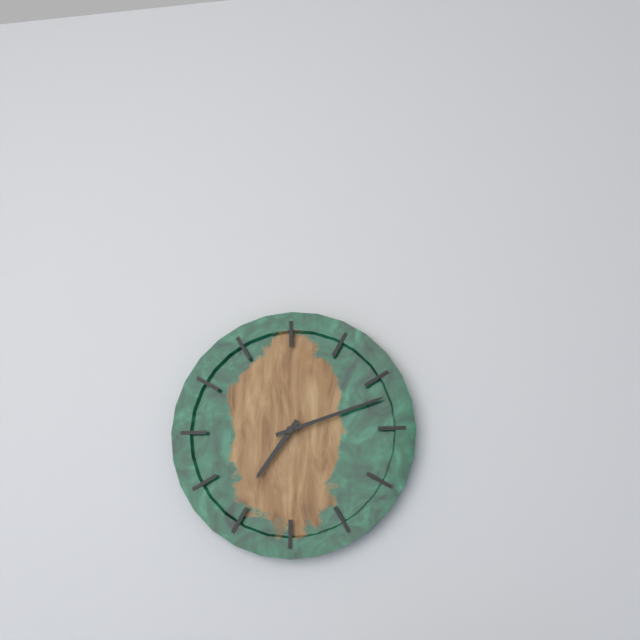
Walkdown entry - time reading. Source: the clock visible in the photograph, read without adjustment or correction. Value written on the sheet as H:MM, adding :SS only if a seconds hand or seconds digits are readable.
7:12
